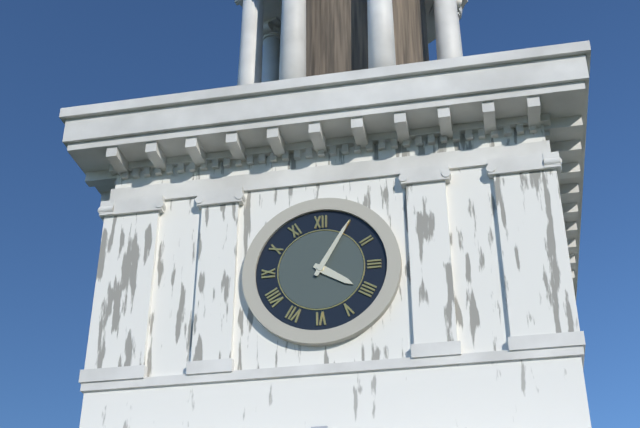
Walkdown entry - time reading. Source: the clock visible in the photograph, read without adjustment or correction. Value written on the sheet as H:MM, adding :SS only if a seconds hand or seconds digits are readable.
4:05
